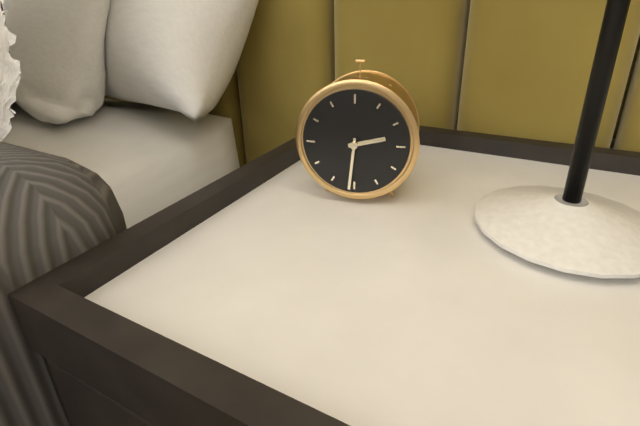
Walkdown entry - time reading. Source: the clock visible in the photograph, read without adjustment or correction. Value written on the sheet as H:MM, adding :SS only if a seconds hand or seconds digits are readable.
2:31
